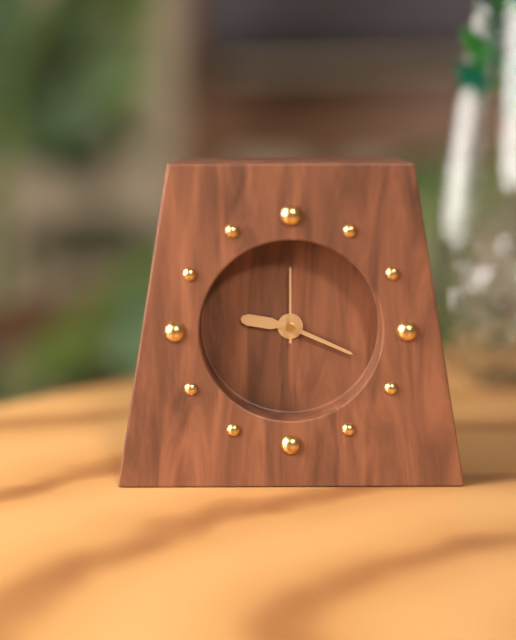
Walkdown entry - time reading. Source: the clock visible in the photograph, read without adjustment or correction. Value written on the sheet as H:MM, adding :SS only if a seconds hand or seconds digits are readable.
9:19:00
